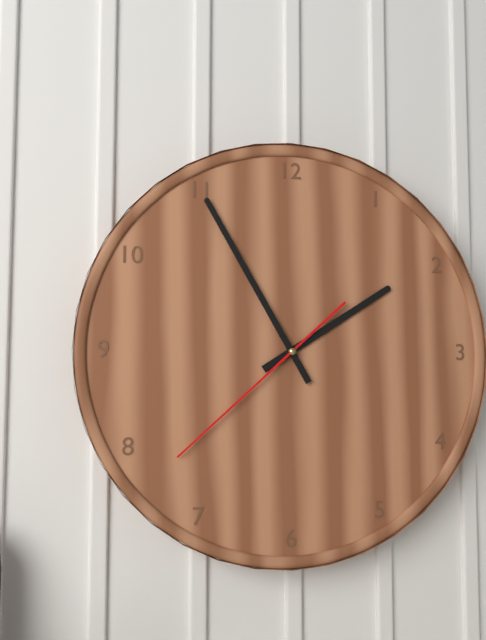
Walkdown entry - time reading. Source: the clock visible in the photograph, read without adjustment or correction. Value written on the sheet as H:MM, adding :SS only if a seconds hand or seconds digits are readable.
1:55:38
